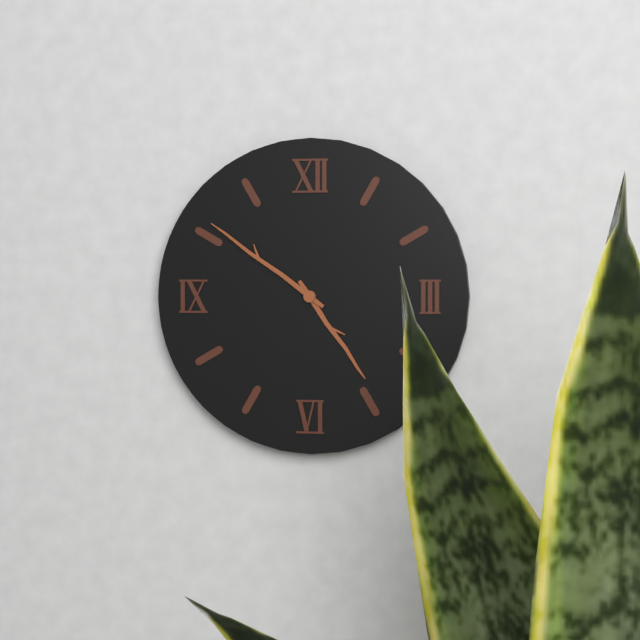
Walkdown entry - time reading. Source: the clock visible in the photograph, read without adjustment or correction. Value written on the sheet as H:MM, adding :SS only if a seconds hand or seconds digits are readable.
4:51
